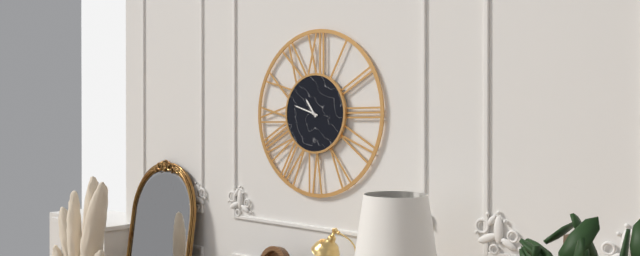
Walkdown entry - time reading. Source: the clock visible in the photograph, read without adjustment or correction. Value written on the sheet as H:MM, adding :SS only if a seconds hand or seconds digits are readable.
10:48
